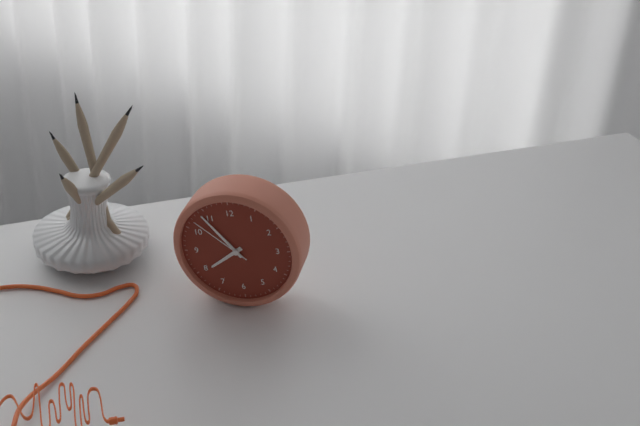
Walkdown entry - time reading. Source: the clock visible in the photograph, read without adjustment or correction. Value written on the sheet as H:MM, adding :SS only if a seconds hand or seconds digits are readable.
7:54:52
